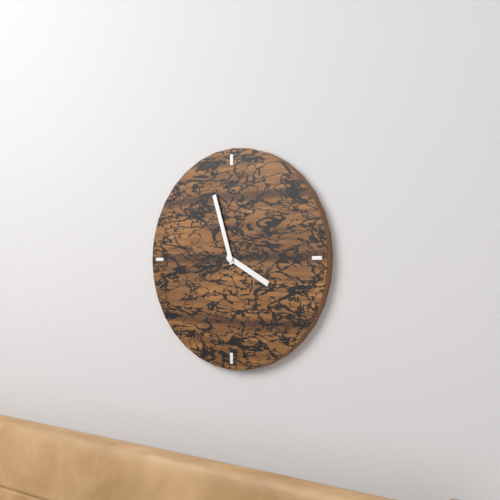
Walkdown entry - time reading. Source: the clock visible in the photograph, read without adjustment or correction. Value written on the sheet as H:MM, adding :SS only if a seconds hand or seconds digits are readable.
3:57
